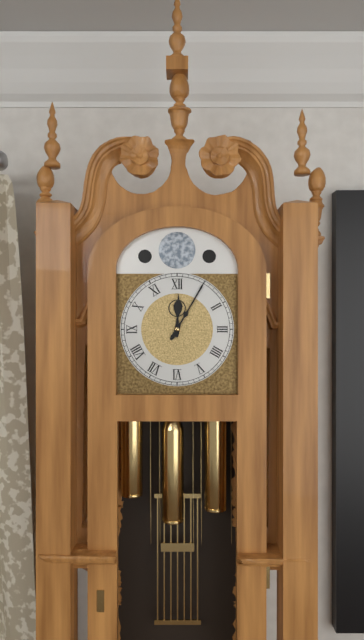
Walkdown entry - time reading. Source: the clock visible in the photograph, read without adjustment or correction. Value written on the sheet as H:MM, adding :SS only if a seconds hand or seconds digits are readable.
12:05
